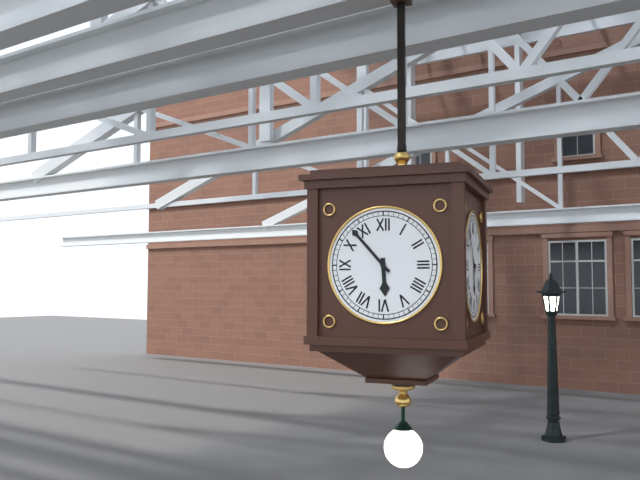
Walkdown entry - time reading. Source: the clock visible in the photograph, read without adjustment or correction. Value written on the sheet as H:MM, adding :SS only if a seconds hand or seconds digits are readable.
5:53
